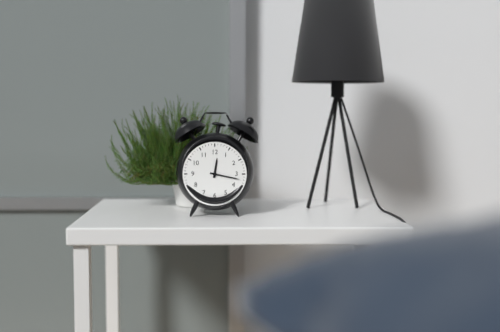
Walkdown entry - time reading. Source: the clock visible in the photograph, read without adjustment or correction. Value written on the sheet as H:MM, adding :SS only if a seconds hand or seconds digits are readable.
12:17
